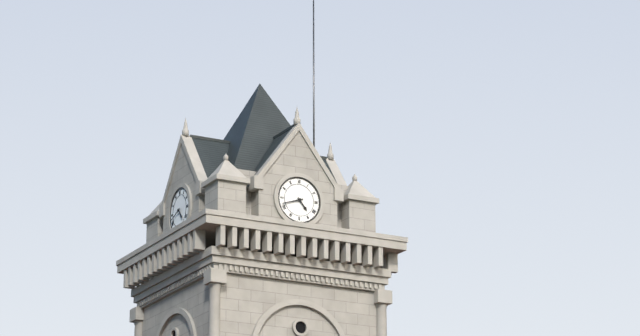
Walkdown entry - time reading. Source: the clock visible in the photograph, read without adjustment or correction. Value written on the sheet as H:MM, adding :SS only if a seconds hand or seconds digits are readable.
4:42
